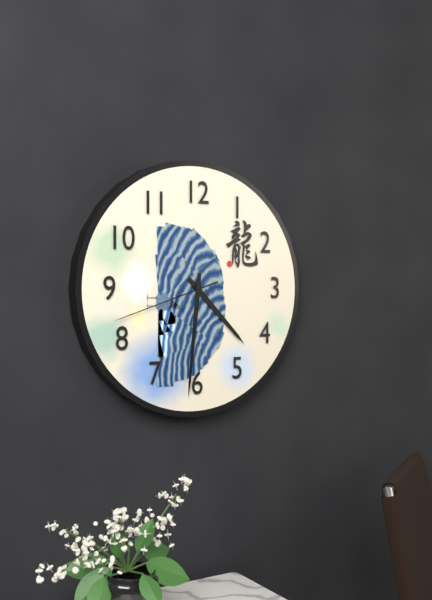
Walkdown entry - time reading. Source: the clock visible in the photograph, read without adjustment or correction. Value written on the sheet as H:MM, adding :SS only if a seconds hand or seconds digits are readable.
4:31:42
